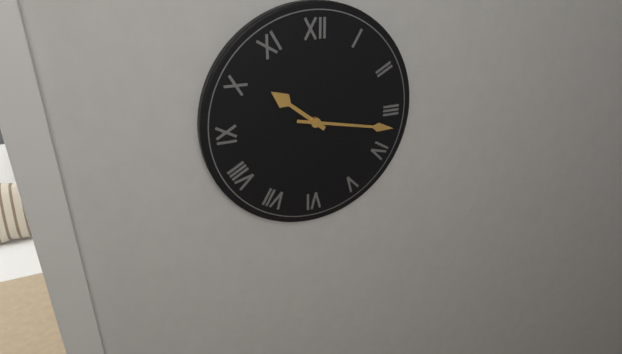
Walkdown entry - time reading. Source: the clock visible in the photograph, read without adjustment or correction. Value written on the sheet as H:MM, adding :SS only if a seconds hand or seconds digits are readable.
10:17
